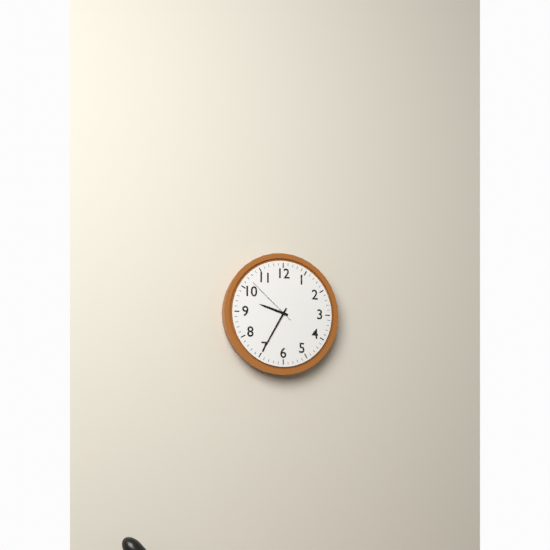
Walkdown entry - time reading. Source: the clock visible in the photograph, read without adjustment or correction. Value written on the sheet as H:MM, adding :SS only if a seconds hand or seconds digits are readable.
9:35:52
